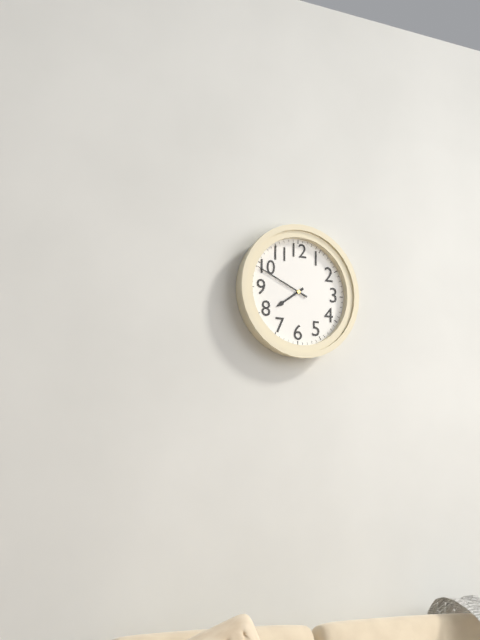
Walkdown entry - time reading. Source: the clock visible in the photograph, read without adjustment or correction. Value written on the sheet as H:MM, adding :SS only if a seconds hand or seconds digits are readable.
7:49
